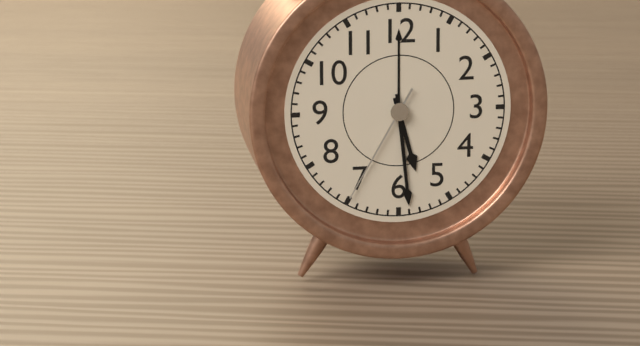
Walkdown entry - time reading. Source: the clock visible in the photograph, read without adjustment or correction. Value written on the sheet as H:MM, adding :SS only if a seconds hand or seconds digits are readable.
5:29:35
